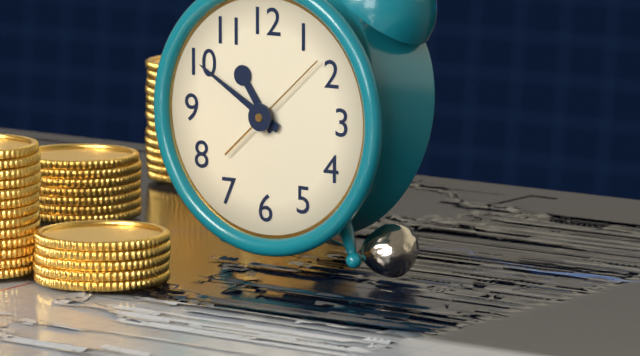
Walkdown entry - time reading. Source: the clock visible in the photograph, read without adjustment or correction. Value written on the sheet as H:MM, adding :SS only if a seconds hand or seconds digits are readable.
10:50:08
